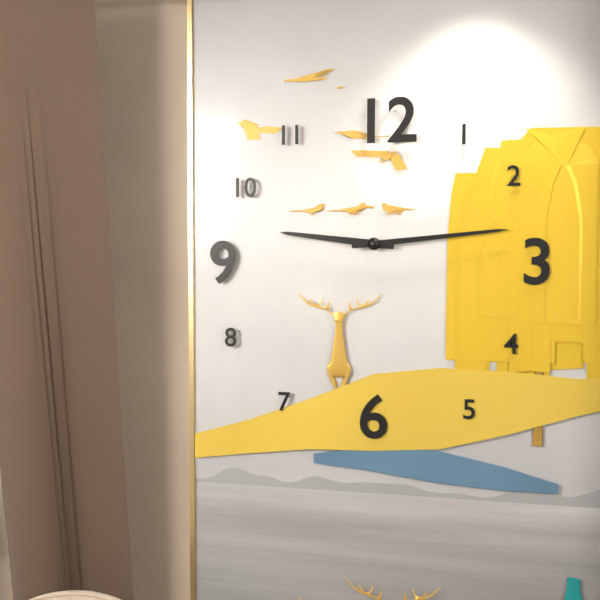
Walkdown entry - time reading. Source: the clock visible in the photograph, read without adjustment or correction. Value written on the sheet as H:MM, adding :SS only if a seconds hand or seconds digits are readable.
9:14
